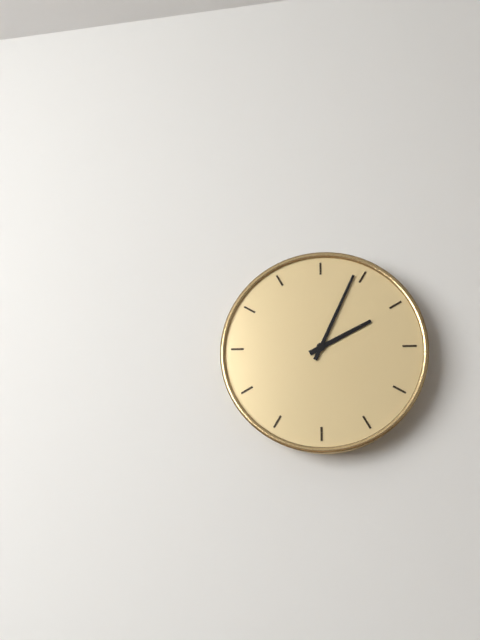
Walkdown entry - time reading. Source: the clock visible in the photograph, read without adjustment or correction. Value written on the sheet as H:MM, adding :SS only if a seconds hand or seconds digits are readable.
2:04
